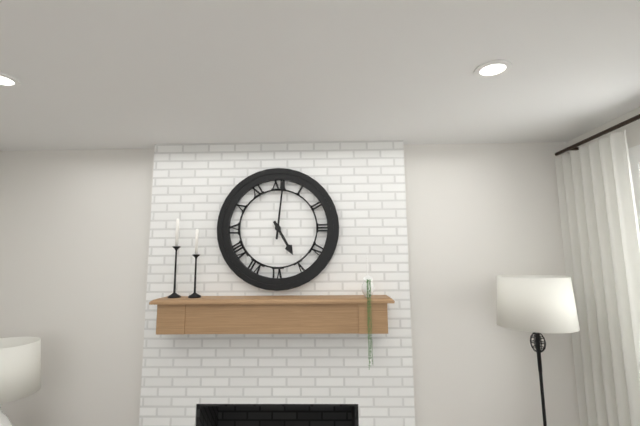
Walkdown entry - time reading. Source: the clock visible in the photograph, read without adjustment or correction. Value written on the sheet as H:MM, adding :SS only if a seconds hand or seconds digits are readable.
5:01
